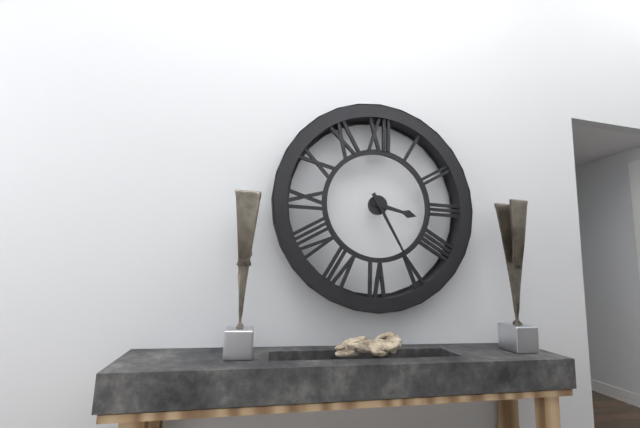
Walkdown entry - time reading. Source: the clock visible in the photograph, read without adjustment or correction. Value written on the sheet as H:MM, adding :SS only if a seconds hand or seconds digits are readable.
3:25
